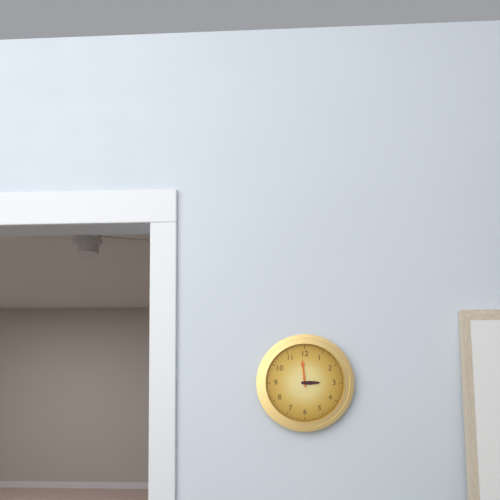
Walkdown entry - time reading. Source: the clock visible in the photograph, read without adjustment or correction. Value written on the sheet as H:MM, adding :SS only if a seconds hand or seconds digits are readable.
2:59
